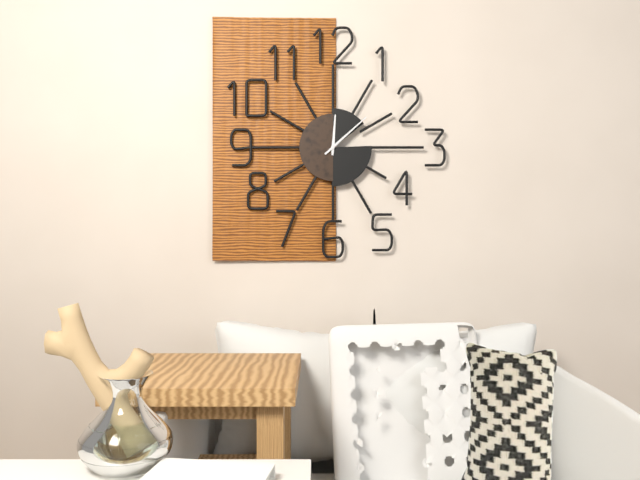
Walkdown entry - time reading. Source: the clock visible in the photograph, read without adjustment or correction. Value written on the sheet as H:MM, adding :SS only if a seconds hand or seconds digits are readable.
12:08
